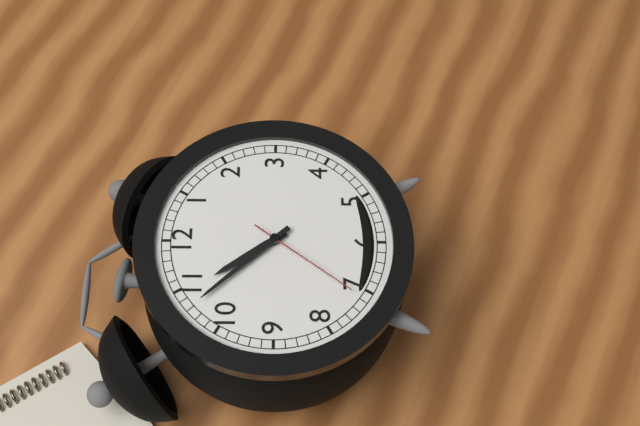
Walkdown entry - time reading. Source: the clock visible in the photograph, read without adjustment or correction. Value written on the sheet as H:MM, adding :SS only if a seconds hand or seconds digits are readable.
10:53:36
